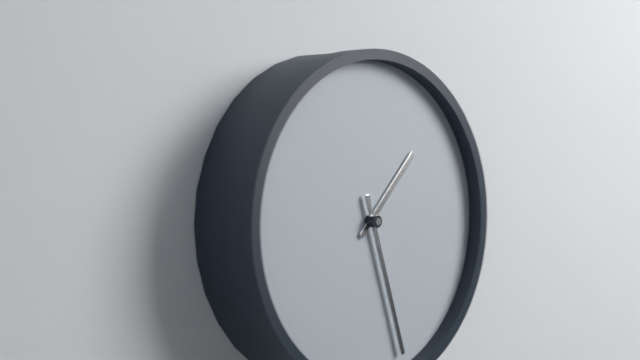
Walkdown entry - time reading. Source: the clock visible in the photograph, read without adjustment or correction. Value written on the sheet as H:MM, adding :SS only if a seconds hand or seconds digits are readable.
1:27
